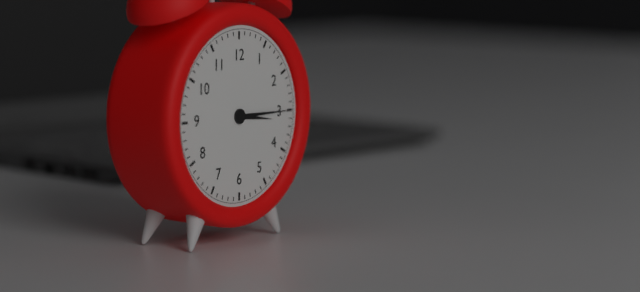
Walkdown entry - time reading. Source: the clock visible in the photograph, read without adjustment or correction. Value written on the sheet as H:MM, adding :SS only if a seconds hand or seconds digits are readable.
3:15
